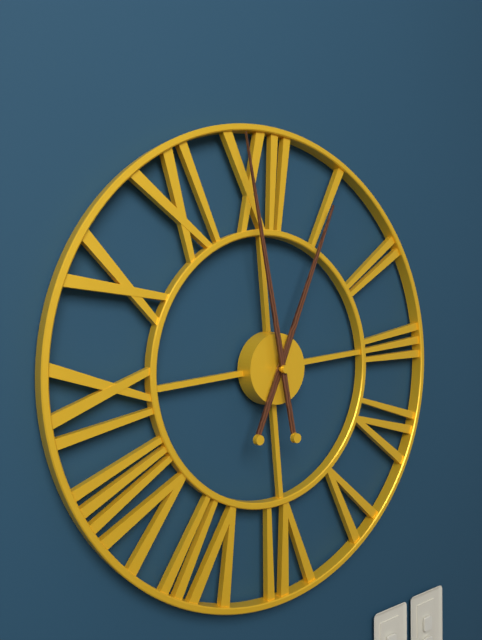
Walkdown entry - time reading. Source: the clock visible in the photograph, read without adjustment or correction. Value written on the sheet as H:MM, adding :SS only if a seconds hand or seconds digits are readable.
12:59
